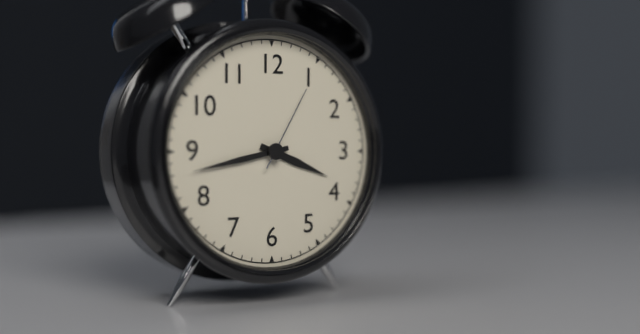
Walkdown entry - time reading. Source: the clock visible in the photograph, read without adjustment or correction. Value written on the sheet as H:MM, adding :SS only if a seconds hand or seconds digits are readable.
3:43:05
